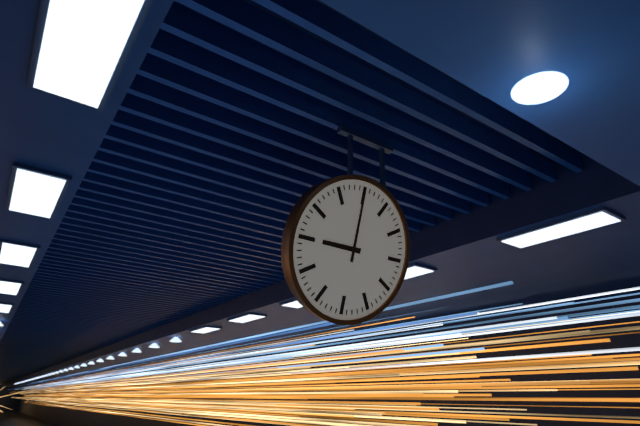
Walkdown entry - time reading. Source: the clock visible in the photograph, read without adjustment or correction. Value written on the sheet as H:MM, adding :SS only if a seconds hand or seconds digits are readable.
9:00
